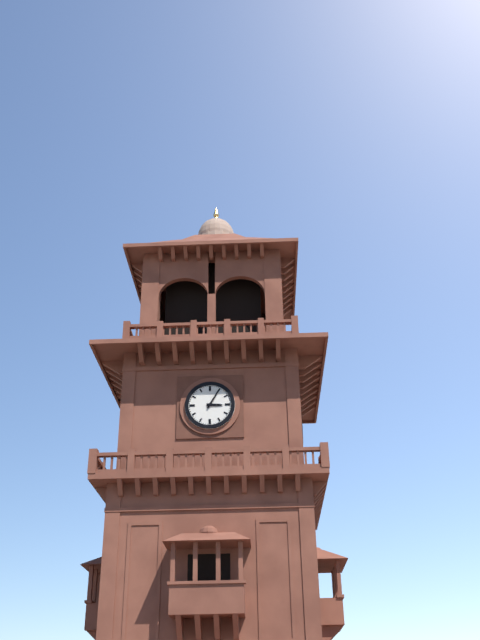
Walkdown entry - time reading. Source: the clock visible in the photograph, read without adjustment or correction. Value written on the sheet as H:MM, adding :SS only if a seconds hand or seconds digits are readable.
3:05
